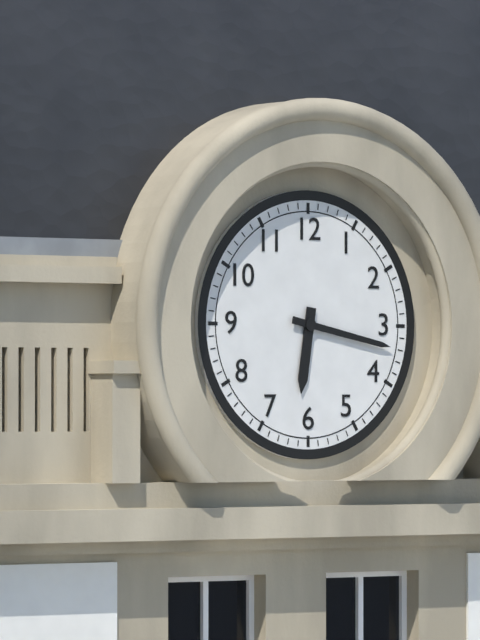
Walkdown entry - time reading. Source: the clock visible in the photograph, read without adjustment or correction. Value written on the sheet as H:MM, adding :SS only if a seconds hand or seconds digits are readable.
6:17
